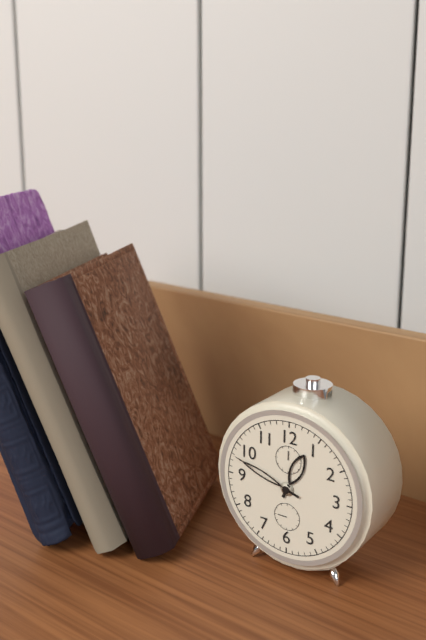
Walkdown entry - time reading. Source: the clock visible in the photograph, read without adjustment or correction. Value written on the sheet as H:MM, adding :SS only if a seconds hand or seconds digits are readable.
12:48
